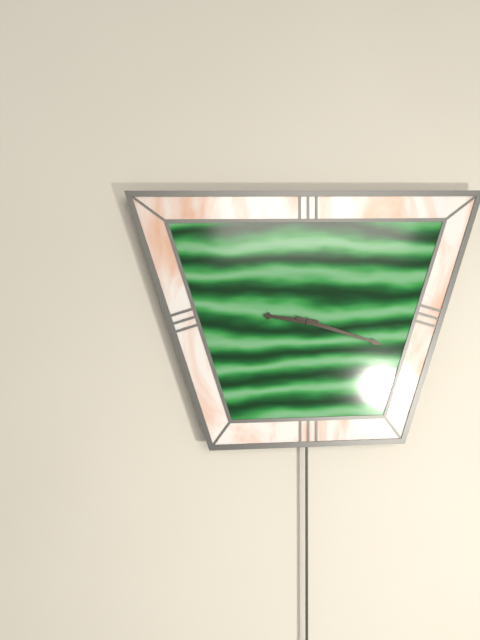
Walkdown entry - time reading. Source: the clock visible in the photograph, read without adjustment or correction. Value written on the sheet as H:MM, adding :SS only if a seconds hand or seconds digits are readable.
9:18
